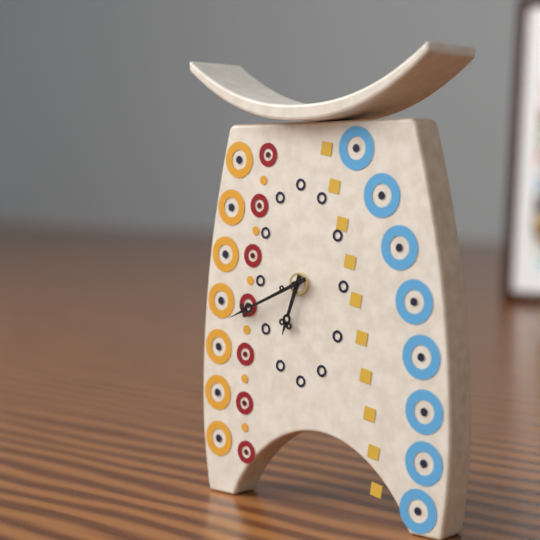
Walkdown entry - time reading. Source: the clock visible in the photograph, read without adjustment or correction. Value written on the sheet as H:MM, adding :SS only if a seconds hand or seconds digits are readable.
6:41
